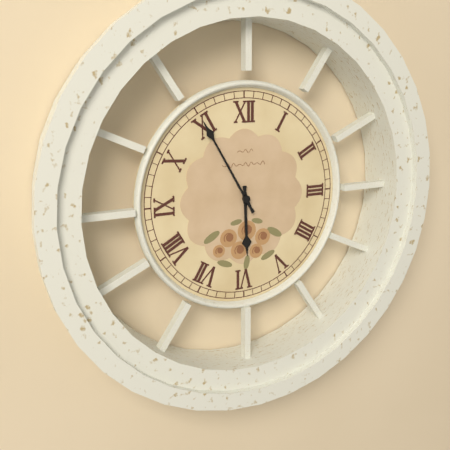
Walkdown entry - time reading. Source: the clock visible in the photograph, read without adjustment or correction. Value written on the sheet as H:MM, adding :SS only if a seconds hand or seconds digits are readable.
5:55
